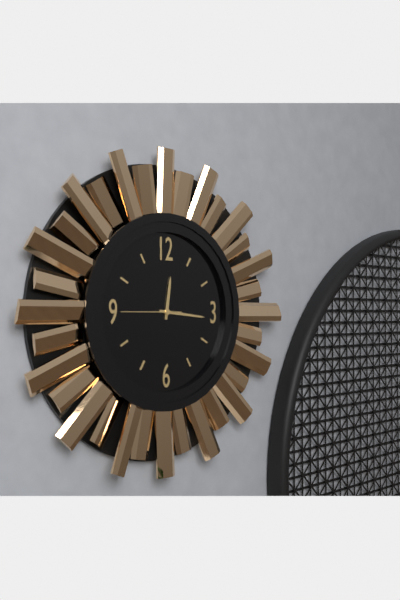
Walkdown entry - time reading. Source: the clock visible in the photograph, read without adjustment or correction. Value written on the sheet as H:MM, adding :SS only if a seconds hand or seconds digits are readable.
12:16:45
